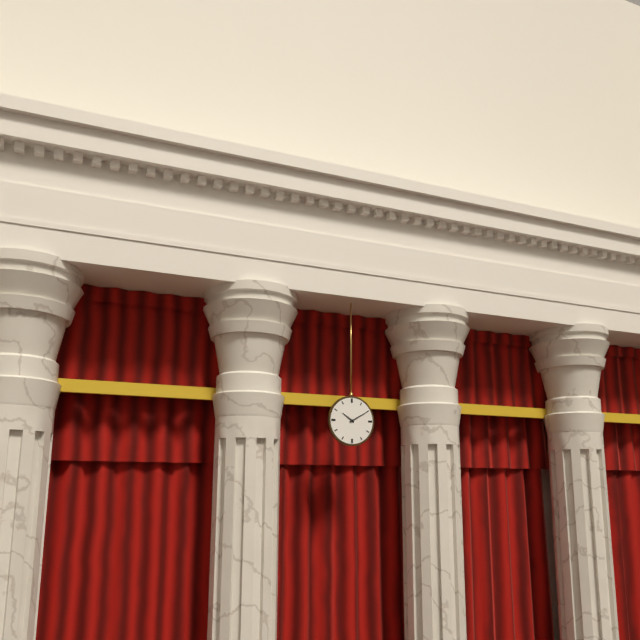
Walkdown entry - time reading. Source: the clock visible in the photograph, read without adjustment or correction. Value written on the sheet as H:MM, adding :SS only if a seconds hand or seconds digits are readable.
10:10
